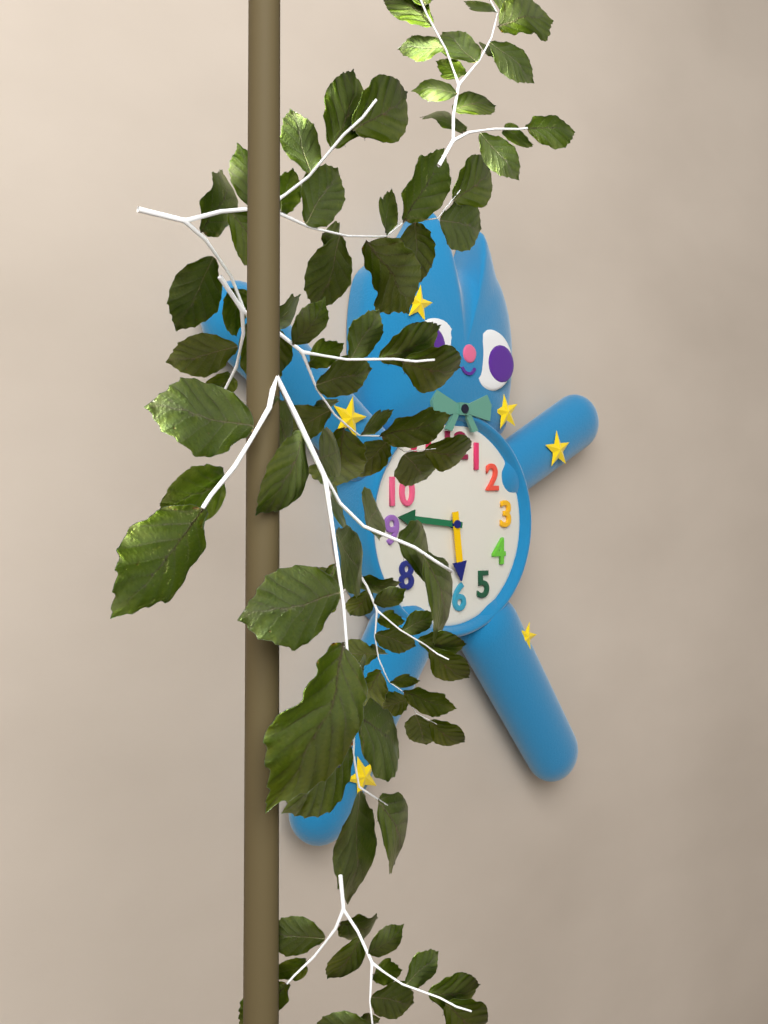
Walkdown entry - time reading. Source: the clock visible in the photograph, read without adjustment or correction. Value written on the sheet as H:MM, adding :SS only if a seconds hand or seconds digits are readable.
5:46
